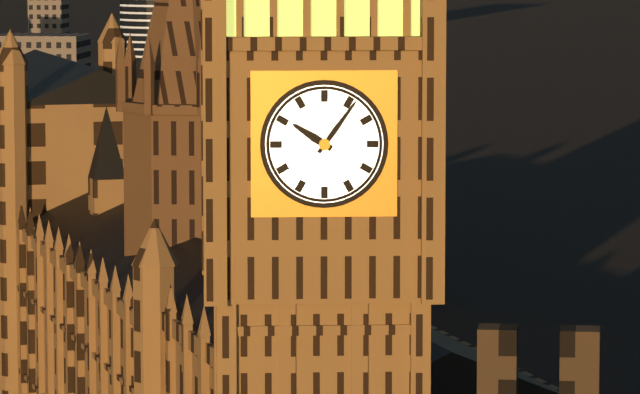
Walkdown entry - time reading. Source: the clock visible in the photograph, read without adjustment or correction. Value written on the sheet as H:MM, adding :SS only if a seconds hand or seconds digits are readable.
10:06
